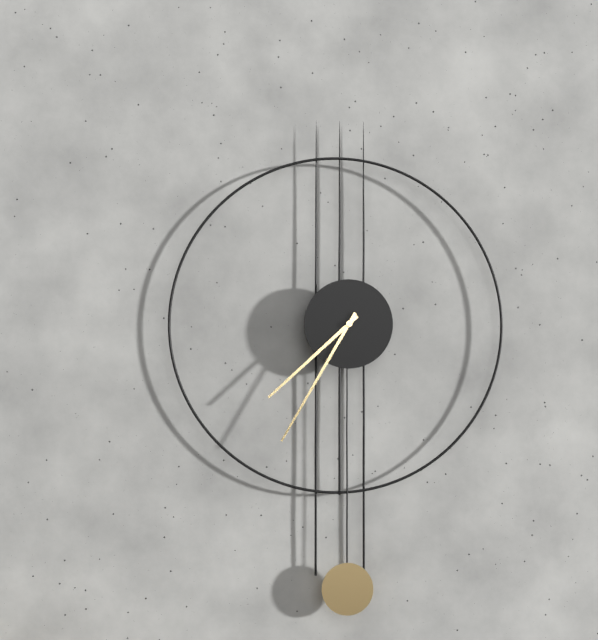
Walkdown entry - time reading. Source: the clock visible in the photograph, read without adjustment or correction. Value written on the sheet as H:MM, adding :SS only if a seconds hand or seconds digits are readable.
7:35
